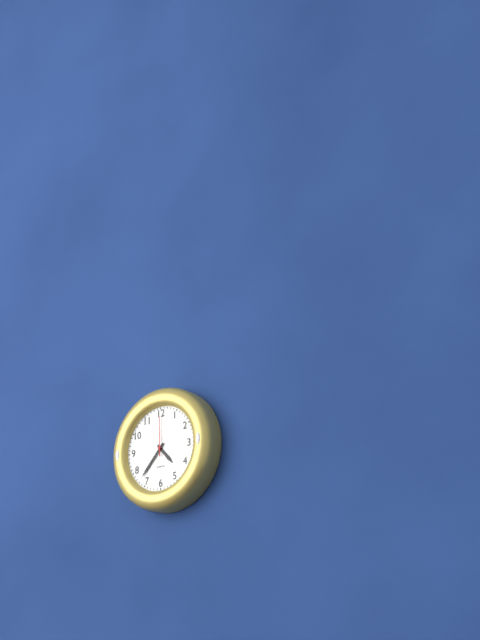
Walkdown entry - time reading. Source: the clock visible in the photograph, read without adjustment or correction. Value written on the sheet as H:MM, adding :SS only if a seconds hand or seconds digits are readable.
4:37
